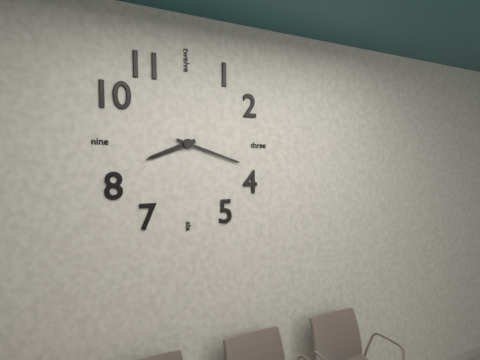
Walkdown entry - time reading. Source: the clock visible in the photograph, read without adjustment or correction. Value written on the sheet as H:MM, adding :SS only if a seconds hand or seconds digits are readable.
8:18
